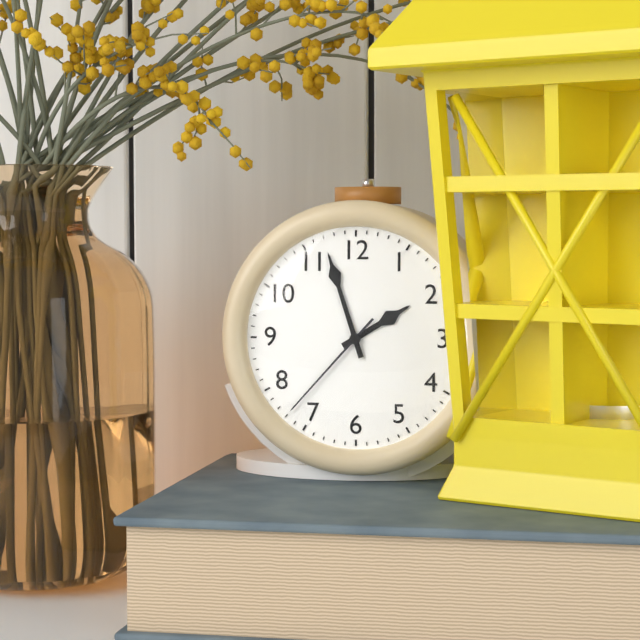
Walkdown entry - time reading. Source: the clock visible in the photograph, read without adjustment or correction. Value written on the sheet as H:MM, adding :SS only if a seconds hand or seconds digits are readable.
1:57:37
